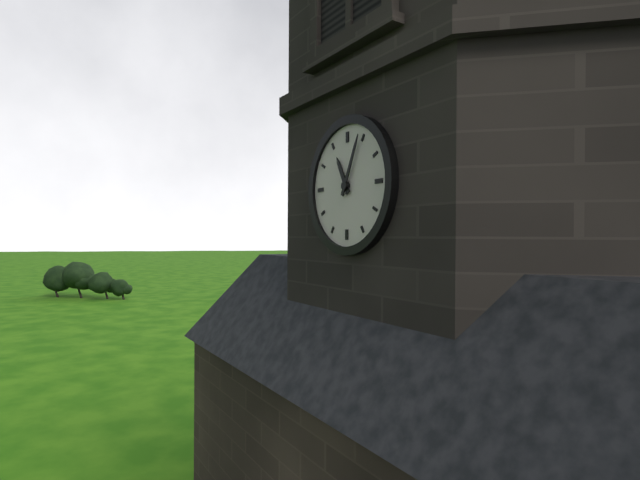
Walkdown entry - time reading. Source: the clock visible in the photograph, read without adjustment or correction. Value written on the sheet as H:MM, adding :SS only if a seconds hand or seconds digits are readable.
11:04
